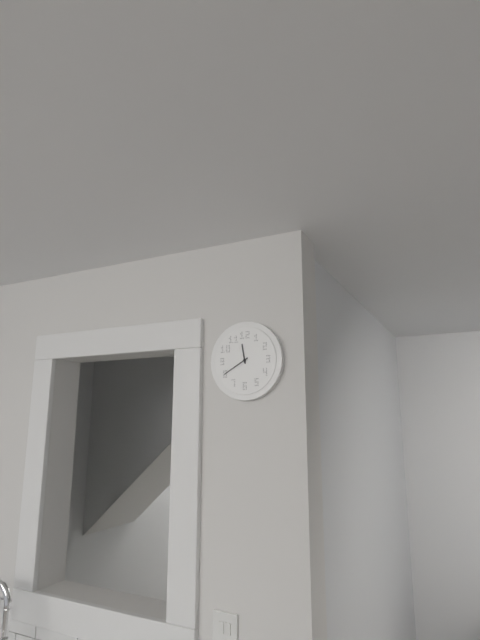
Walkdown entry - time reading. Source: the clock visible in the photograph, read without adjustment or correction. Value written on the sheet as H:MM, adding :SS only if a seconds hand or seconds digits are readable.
11:40
